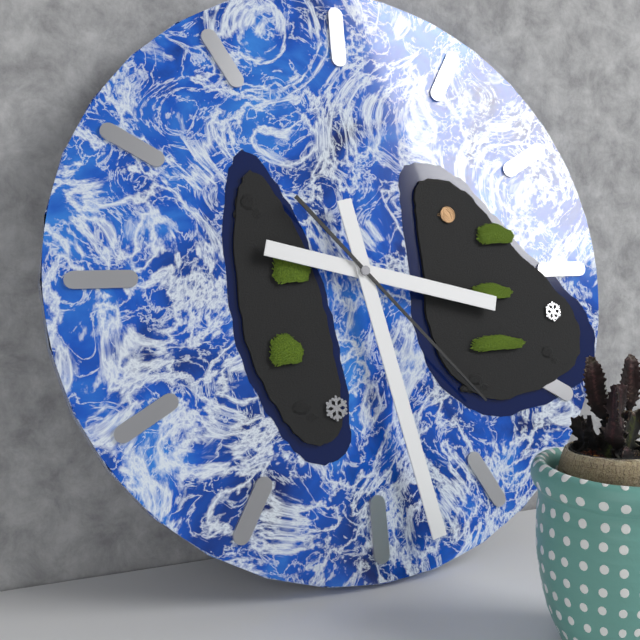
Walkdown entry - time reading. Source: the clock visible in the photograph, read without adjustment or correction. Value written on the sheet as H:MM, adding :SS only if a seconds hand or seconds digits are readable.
3:28:23
